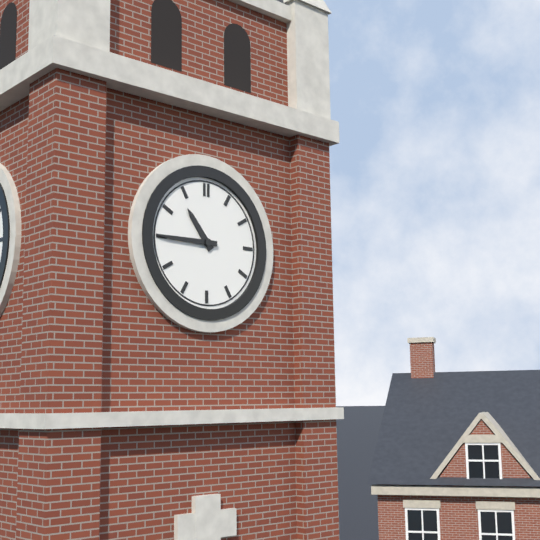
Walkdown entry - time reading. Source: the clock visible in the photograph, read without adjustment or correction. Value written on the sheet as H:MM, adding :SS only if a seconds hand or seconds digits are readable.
10:45
